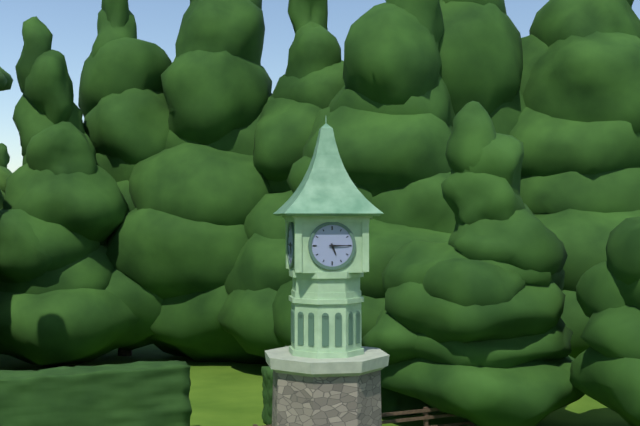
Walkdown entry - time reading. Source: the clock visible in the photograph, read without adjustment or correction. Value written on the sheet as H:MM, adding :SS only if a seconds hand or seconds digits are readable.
5:15
